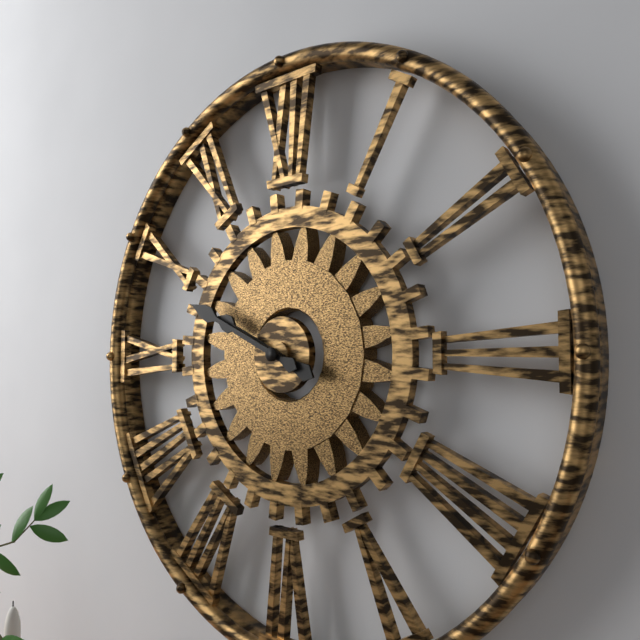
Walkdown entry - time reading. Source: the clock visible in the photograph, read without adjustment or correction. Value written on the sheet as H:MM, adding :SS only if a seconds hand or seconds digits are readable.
9:49
